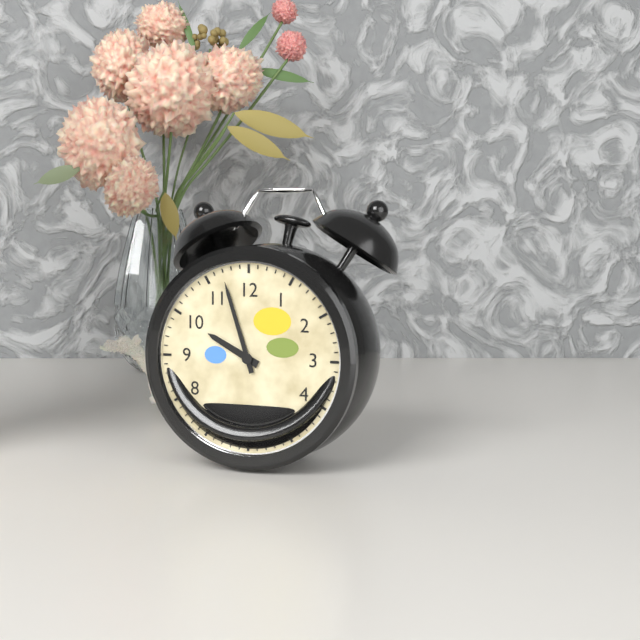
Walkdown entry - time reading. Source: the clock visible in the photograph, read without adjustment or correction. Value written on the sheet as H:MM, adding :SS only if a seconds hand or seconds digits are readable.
9:57
